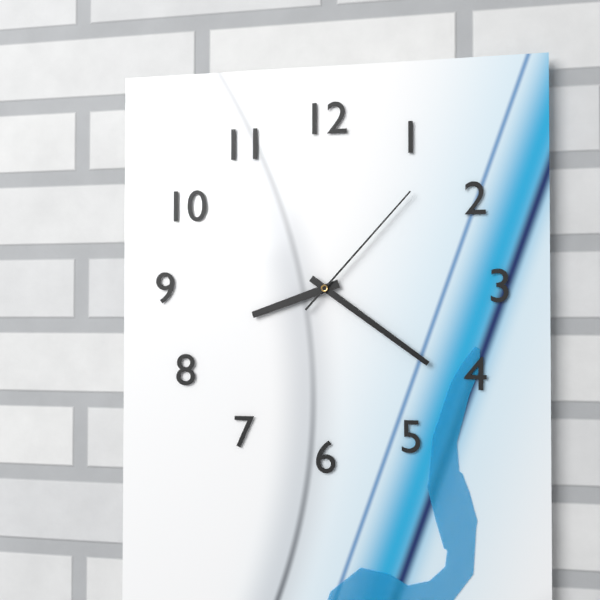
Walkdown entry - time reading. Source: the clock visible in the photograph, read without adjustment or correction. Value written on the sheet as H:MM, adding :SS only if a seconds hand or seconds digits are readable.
8:21:07
